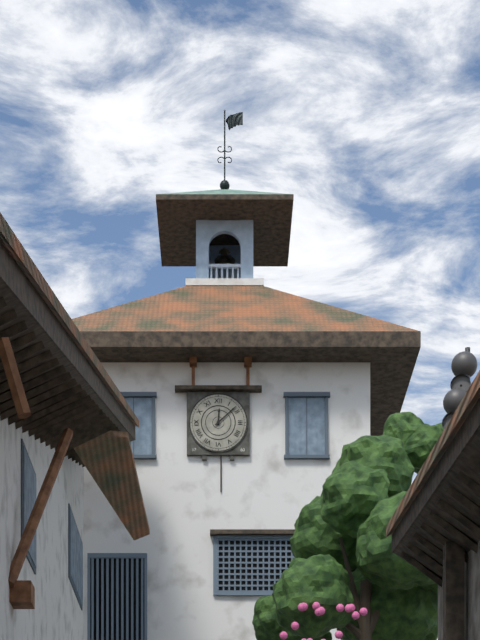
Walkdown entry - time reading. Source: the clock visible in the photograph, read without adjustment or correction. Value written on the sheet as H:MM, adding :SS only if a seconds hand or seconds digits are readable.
12:08
